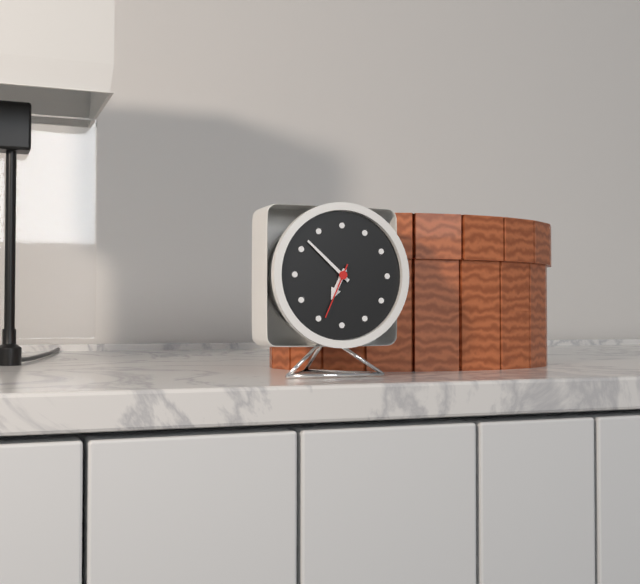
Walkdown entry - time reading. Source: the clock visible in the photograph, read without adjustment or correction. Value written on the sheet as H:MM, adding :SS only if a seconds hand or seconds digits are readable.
6:52:34
